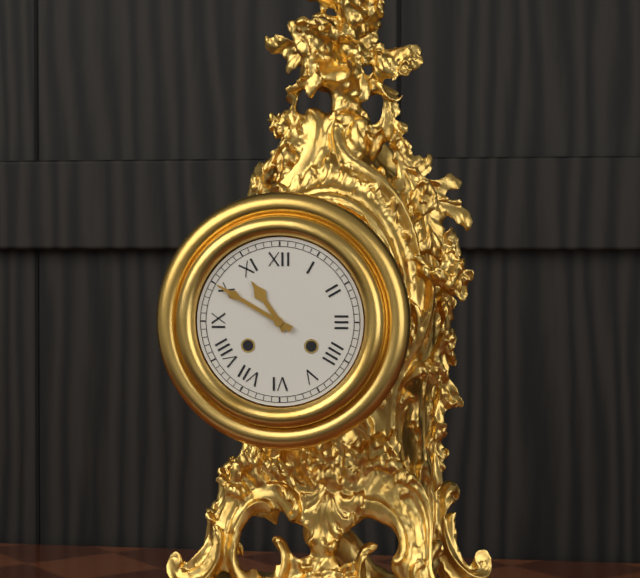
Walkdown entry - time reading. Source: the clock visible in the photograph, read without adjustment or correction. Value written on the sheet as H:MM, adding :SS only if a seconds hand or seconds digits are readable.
10:50
